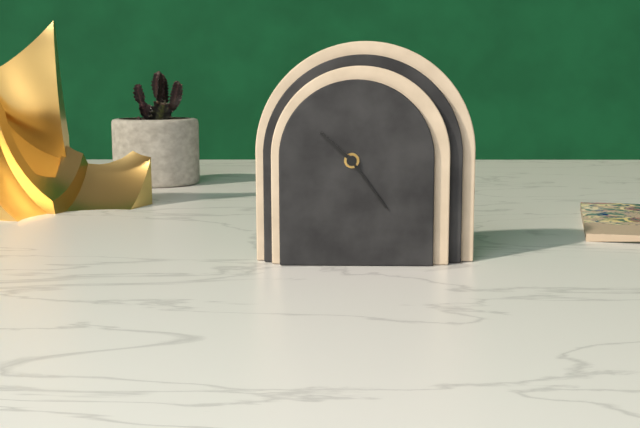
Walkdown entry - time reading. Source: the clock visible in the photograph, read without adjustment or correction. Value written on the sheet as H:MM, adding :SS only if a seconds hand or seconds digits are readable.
10:24
